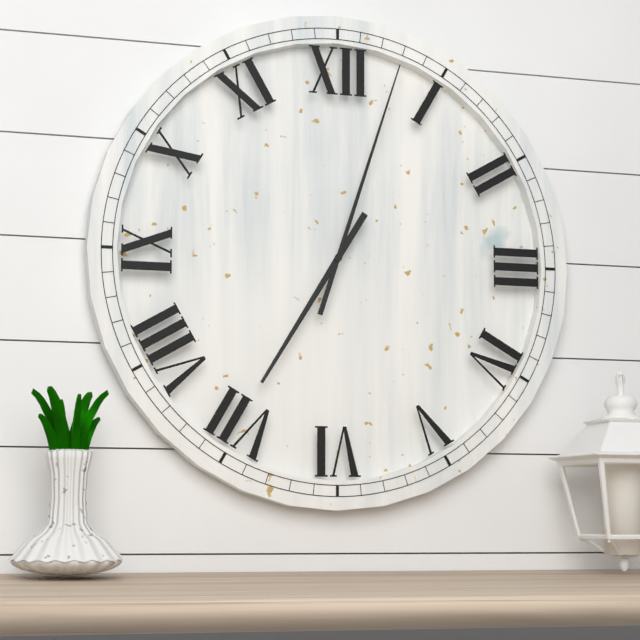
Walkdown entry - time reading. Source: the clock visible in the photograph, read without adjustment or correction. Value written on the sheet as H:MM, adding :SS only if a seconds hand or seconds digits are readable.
7:03
